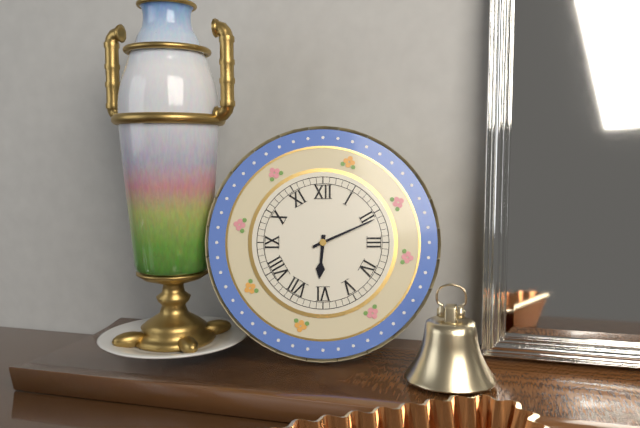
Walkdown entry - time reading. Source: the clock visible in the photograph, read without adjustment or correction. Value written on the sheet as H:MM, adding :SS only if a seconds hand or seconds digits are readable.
6:11
